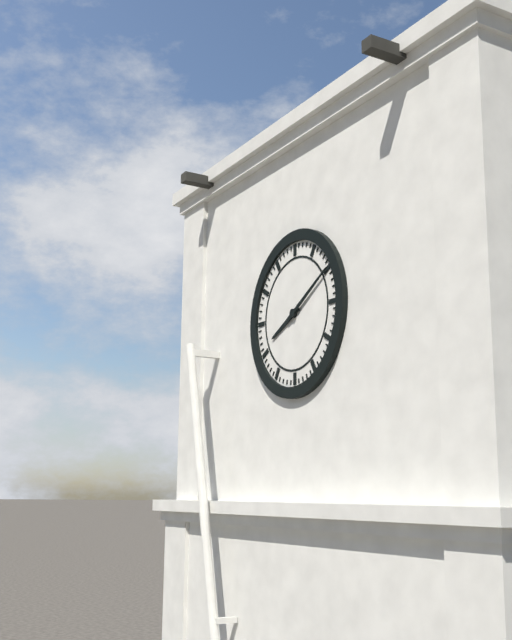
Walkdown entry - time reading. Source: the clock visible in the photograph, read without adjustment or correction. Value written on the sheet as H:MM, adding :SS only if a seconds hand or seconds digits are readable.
8:10
